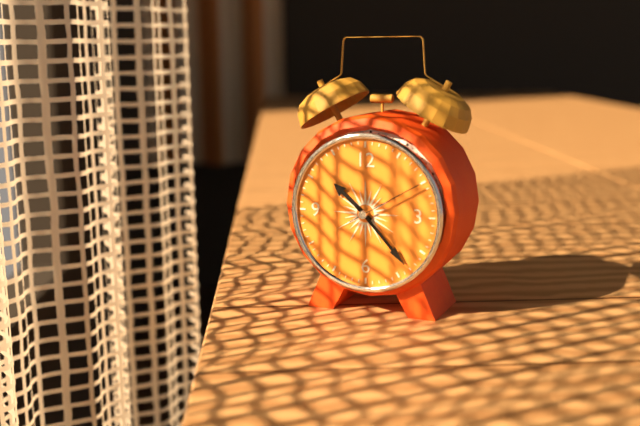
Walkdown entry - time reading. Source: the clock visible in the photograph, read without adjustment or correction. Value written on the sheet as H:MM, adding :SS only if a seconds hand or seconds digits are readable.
10:23:10
